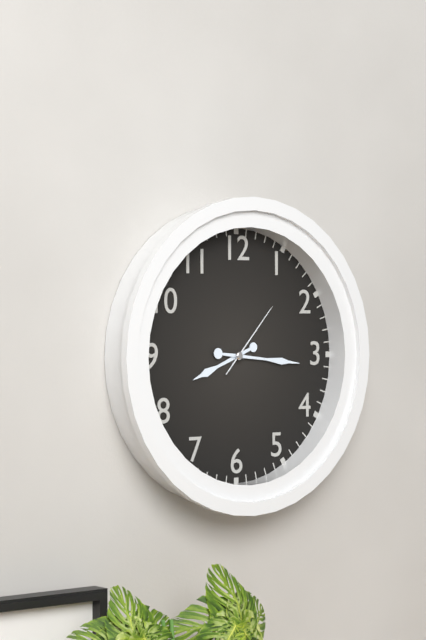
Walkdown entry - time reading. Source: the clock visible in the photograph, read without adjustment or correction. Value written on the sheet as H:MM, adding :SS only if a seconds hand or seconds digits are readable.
8:16:07
